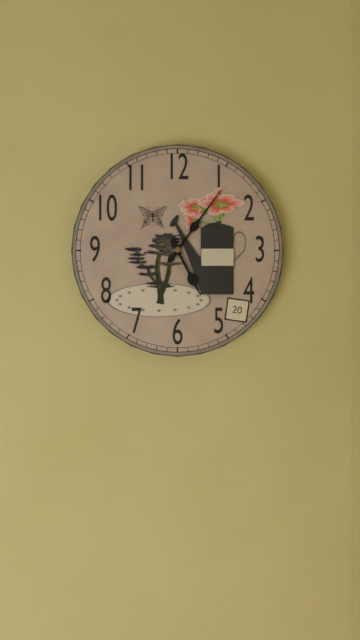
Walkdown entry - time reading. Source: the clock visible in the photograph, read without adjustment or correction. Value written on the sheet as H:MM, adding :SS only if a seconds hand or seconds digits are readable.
5:06
